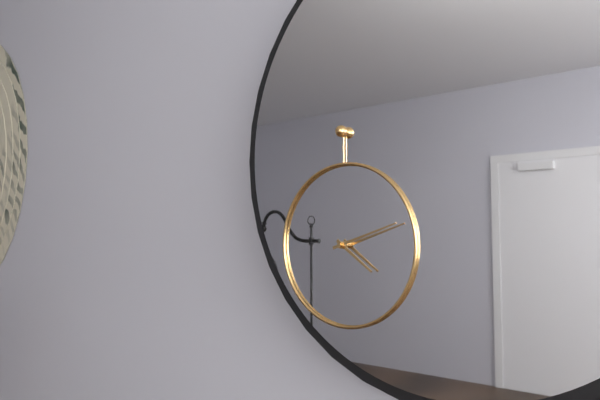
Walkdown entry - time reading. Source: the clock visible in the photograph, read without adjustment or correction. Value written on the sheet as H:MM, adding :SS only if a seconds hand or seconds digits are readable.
4:12
